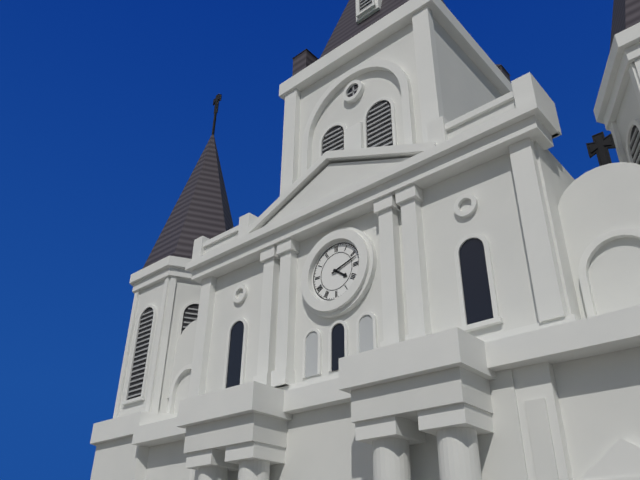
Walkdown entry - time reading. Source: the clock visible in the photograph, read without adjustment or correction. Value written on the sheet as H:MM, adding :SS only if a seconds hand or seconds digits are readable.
4:12
